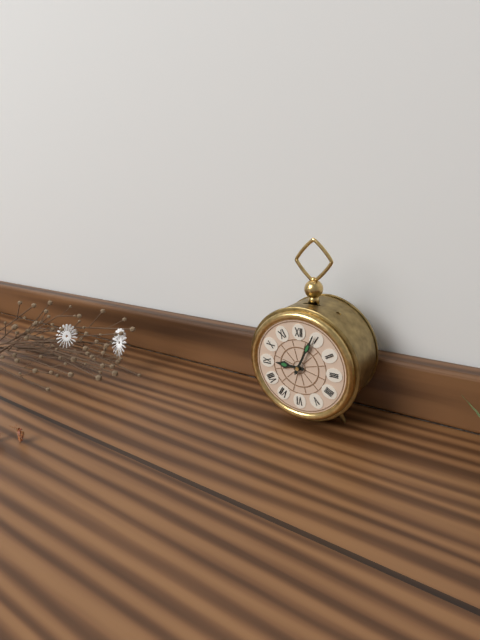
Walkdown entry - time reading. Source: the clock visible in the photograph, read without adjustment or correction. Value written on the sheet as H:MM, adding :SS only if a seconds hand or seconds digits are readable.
9:04
